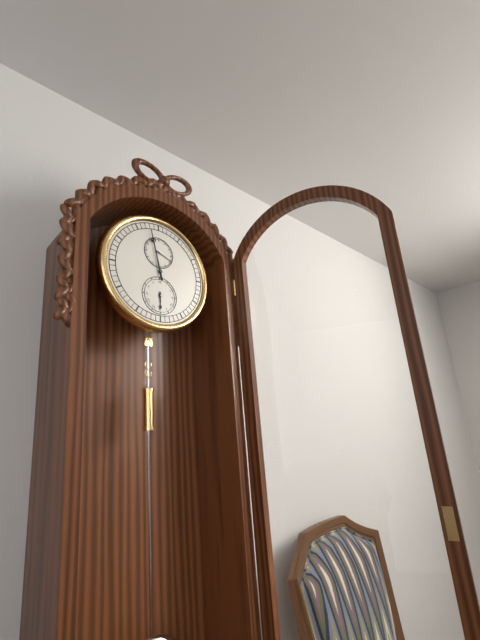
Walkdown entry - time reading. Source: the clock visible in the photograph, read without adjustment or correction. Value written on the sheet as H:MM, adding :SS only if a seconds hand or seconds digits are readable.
5:58
